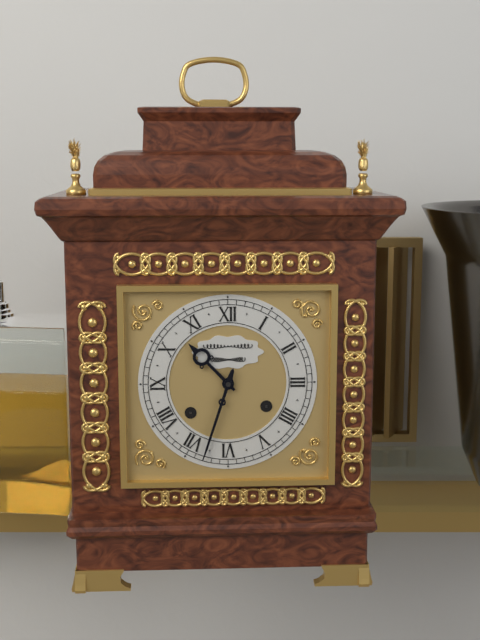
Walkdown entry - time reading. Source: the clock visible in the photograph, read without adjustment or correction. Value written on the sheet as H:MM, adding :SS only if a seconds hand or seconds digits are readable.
10:33
